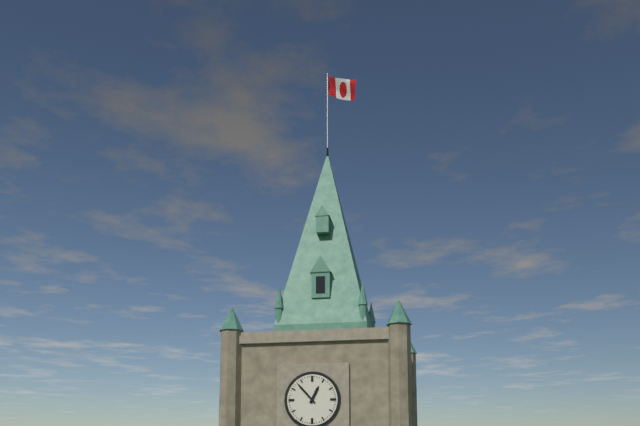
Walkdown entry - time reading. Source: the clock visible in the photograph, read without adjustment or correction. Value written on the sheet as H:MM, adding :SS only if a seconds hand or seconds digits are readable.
12:53
